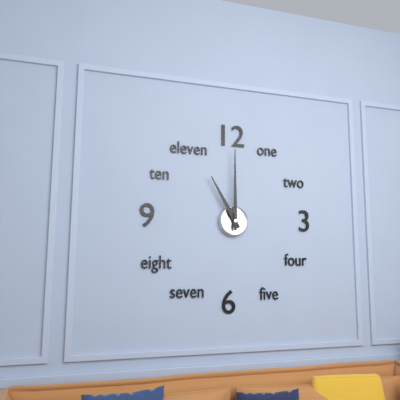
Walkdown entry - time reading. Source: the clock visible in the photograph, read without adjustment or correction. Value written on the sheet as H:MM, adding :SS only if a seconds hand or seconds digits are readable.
11:00
